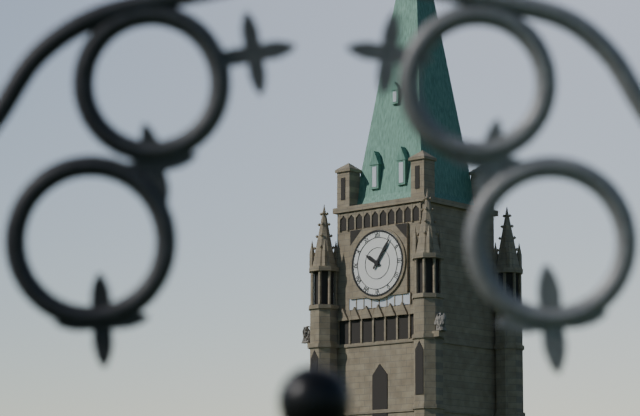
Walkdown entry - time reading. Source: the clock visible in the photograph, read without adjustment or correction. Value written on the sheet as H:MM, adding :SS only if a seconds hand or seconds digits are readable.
10:06
